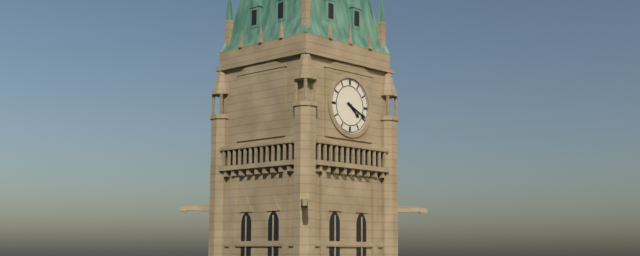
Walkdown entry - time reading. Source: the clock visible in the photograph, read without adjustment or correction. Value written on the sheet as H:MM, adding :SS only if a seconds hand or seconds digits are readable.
4:19
